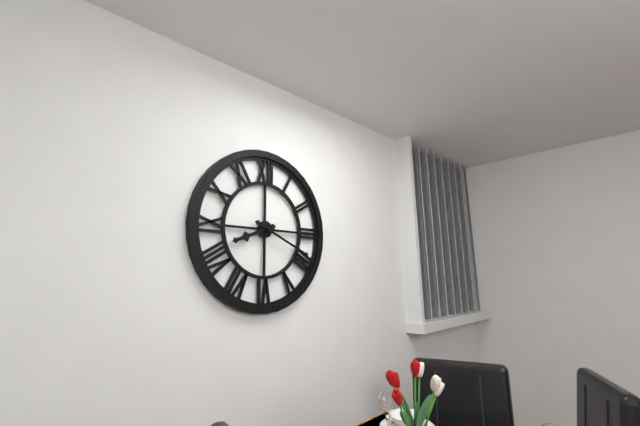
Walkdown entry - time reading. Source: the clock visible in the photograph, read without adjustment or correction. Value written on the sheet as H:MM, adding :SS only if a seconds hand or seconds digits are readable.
8:19
